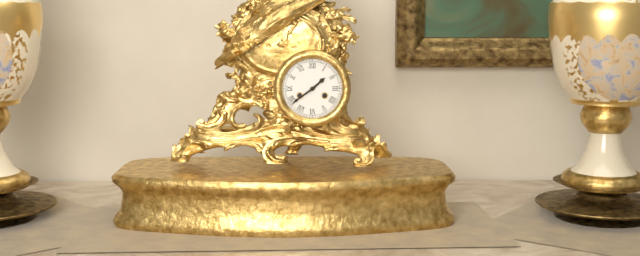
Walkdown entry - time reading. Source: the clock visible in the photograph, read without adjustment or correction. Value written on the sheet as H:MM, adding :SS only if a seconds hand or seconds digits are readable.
1:39
